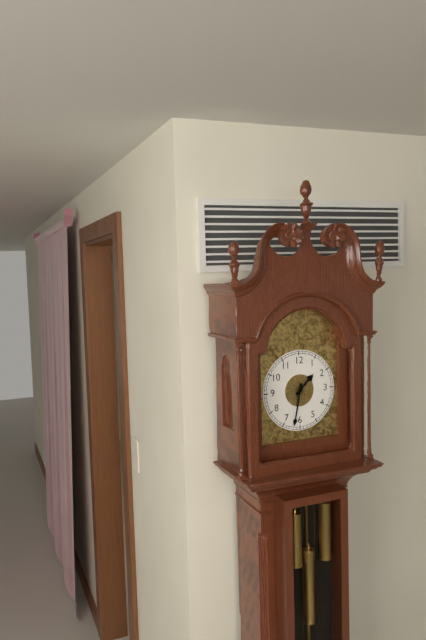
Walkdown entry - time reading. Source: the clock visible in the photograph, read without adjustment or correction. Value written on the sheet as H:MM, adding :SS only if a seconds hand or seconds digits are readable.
1:32
